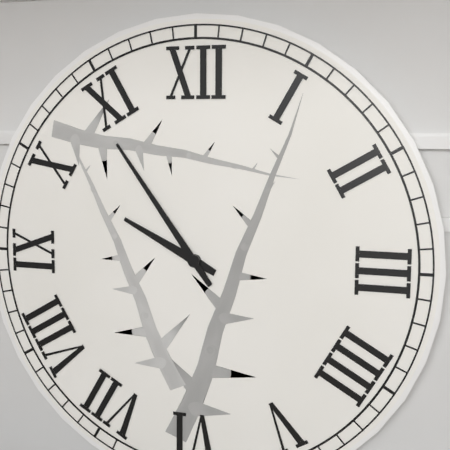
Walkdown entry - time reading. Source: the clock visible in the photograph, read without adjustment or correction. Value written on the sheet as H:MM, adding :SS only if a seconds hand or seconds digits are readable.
9:54
